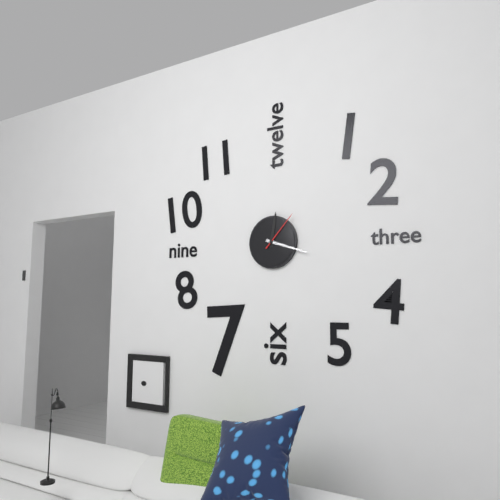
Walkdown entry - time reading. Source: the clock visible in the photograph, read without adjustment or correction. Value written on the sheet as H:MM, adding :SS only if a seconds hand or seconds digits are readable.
12:18
